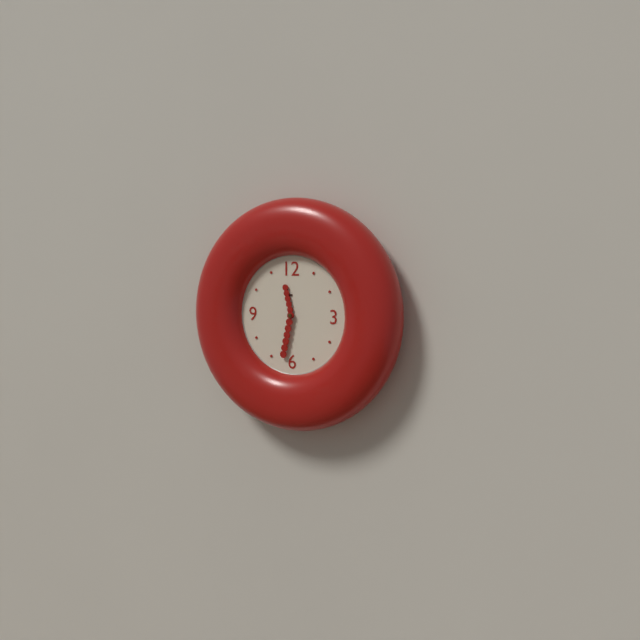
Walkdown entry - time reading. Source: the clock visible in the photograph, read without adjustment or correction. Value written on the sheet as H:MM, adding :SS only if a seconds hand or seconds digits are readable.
11:32
